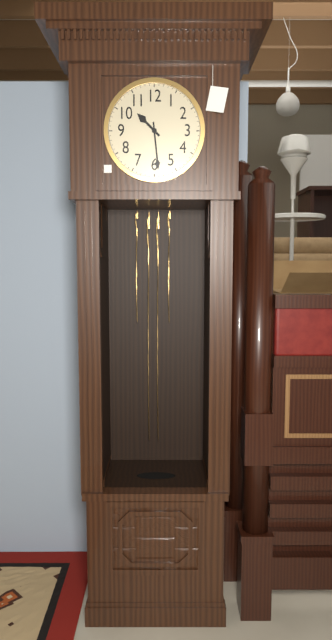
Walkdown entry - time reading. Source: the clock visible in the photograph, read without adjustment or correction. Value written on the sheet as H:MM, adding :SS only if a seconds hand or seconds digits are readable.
10:29
